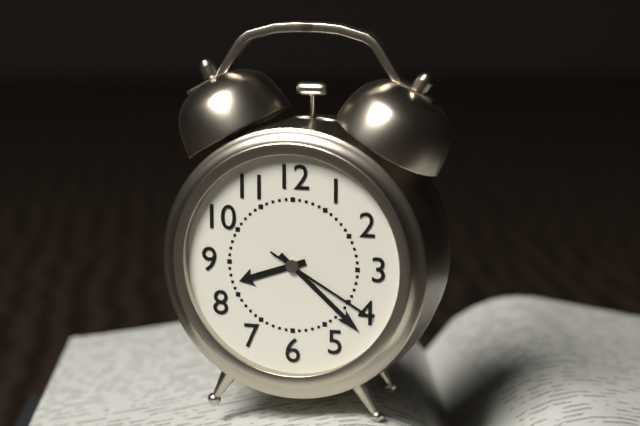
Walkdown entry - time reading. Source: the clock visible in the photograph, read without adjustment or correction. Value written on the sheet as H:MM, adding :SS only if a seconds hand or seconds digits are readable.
8:22:20
